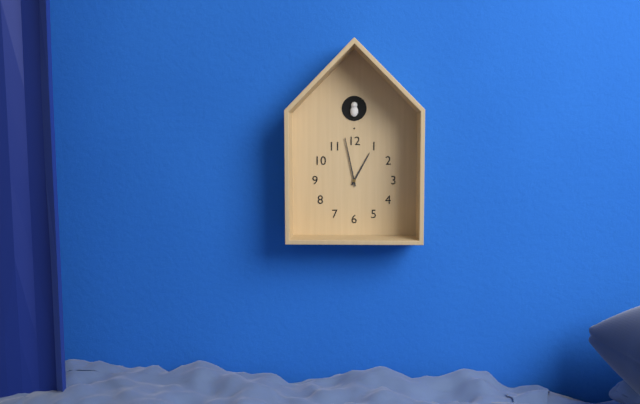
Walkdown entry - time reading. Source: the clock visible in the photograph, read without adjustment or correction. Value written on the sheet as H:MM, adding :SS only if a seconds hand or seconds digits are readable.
12:58
